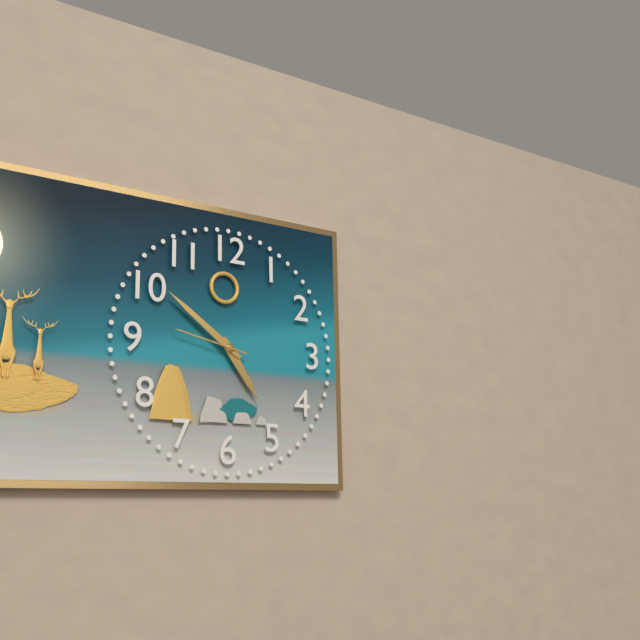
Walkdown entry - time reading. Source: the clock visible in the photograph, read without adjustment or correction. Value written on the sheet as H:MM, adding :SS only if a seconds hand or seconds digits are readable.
4:51:47
